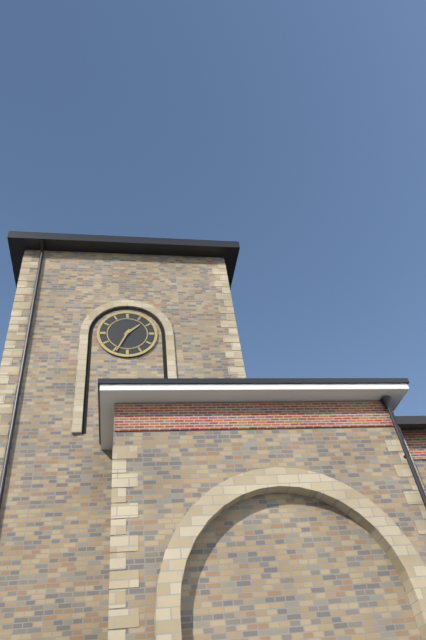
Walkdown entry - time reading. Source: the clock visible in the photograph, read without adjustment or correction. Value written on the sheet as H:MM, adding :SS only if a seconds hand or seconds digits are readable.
1:34
